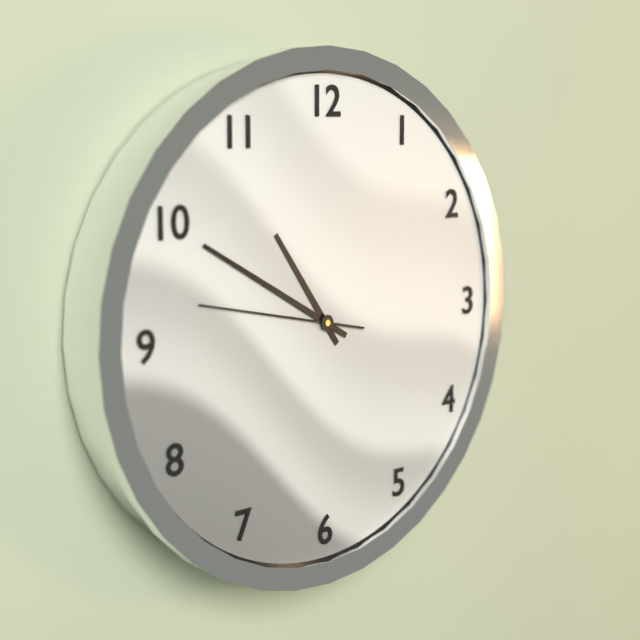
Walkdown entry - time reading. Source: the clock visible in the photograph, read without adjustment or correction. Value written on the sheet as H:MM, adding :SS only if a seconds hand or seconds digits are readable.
10:50:47
